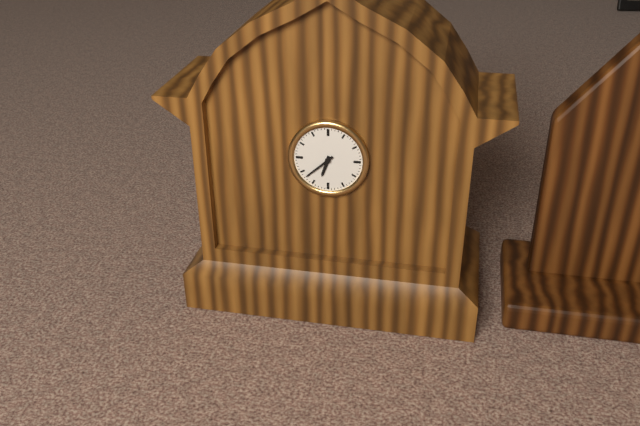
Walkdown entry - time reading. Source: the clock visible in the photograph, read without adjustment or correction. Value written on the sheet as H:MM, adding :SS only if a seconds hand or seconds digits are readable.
6:38
